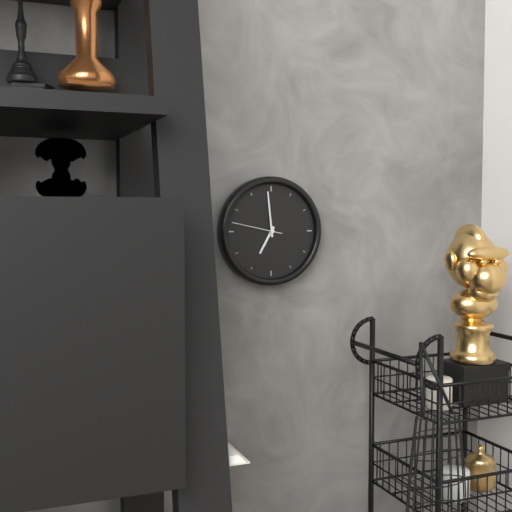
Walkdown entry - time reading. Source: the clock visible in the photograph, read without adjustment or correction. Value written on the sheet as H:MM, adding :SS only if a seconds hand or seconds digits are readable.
6:59:47
